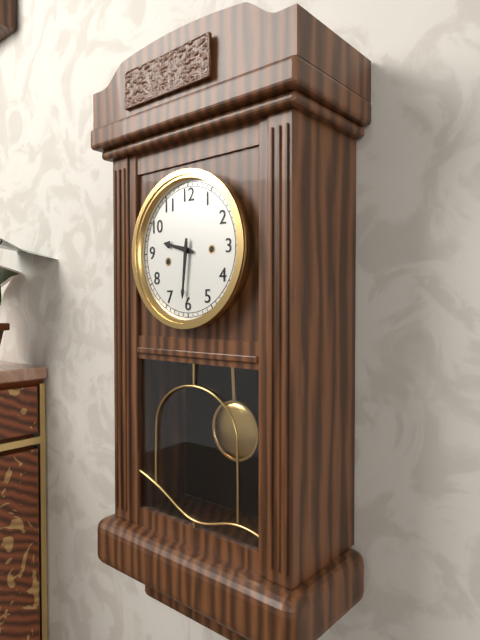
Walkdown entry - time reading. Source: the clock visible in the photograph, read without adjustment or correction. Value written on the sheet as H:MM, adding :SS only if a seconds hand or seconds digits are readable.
9:31
